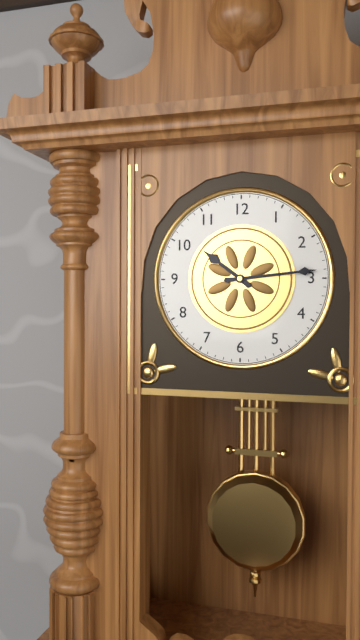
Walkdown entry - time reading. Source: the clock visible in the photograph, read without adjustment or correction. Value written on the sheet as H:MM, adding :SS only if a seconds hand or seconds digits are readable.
10:14
